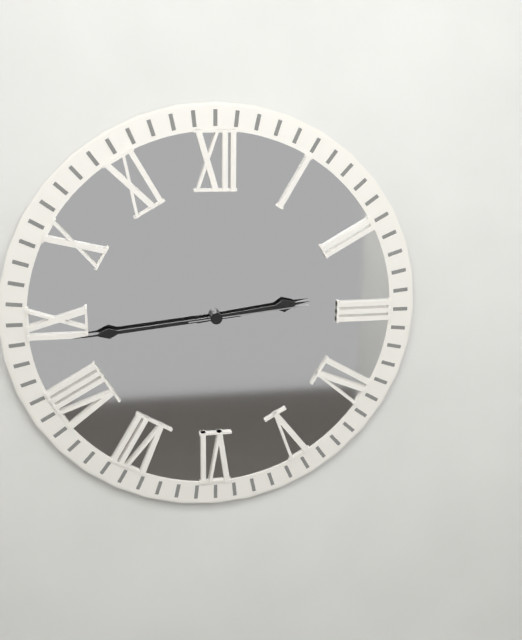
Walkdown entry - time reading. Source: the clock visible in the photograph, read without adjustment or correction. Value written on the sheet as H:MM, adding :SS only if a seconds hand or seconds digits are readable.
2:44:14
